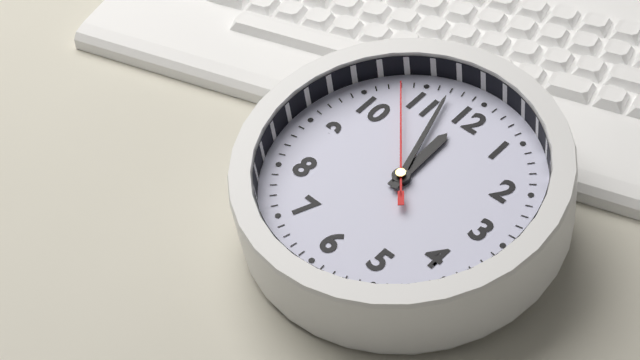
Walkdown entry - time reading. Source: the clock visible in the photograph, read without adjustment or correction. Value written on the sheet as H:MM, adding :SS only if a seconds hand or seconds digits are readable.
11:57:53
